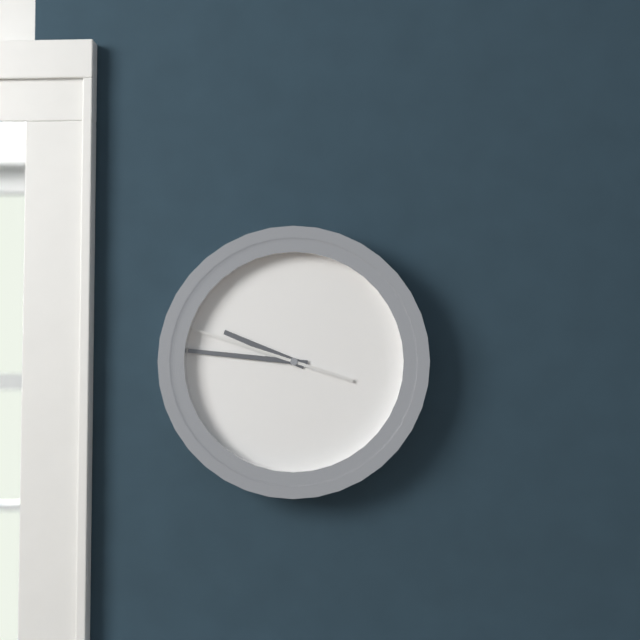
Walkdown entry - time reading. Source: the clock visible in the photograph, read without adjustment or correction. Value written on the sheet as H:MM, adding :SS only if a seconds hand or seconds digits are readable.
9:46:48
